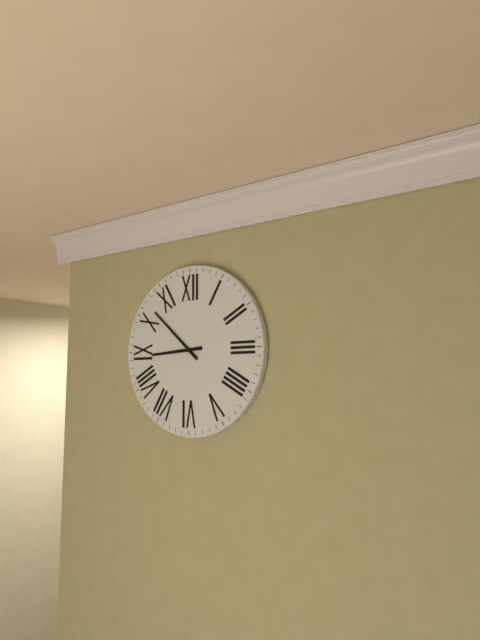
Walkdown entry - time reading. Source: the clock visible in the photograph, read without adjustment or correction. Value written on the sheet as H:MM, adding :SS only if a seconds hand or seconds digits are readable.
8:52
